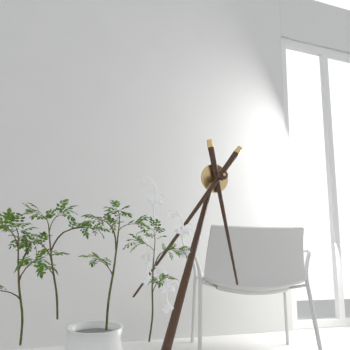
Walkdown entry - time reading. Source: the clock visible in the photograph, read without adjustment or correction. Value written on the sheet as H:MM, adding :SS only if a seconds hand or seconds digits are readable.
5:36
